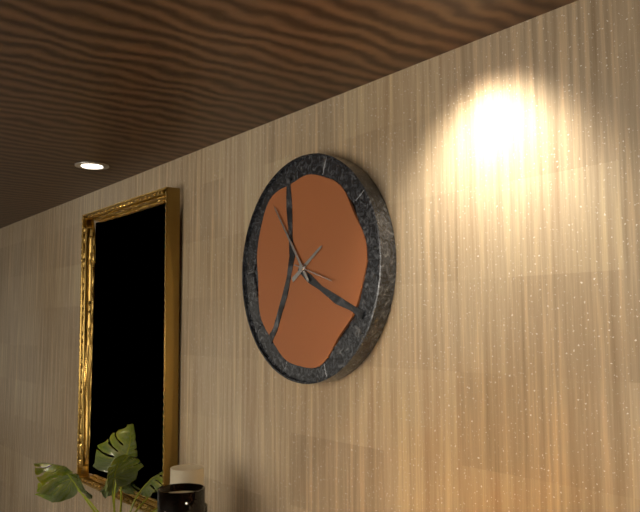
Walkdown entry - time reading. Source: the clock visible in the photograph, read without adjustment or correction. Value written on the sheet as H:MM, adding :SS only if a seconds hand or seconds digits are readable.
1:54
